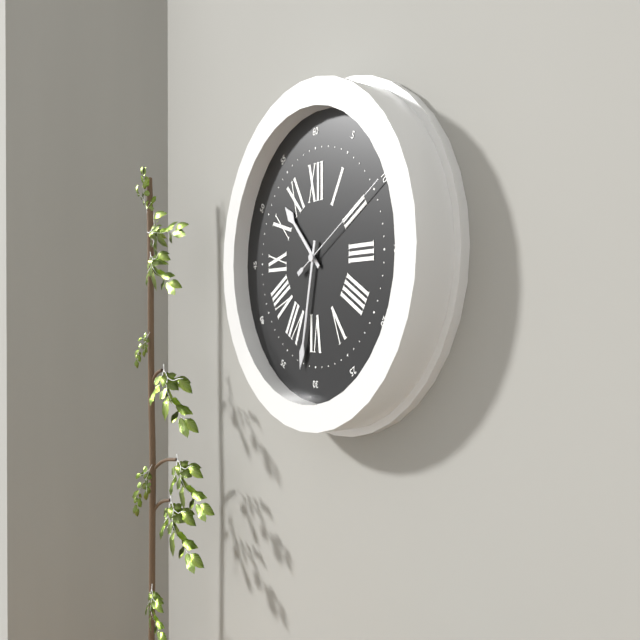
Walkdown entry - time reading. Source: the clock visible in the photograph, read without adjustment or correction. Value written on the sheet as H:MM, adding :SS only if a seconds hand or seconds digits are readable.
10:32:10
